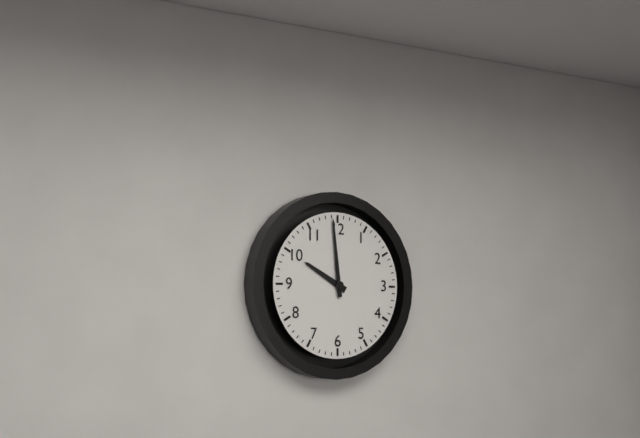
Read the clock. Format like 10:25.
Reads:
9:59
